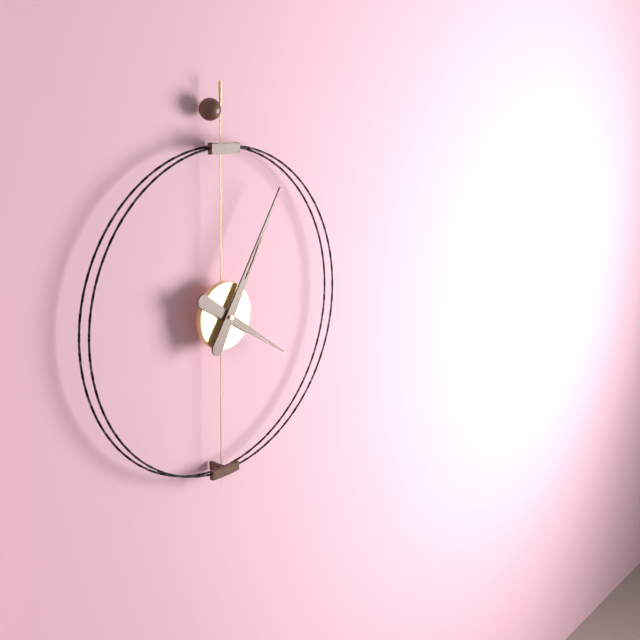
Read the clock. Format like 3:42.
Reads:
4:05
